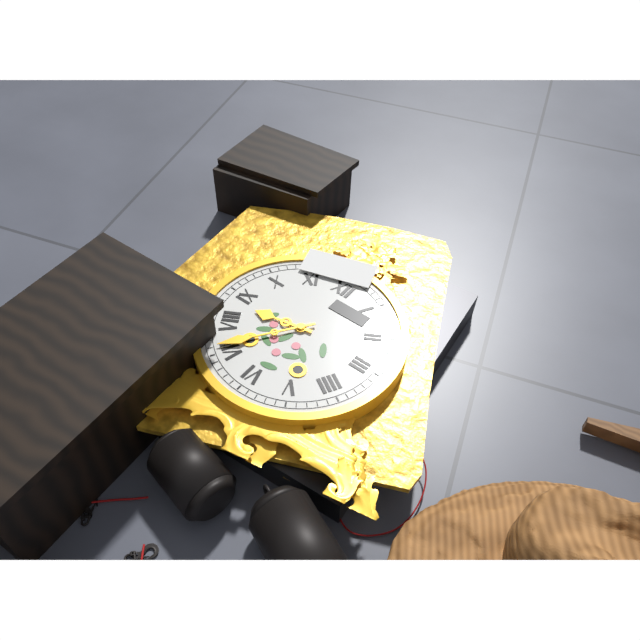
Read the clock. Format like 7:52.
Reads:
8:36
